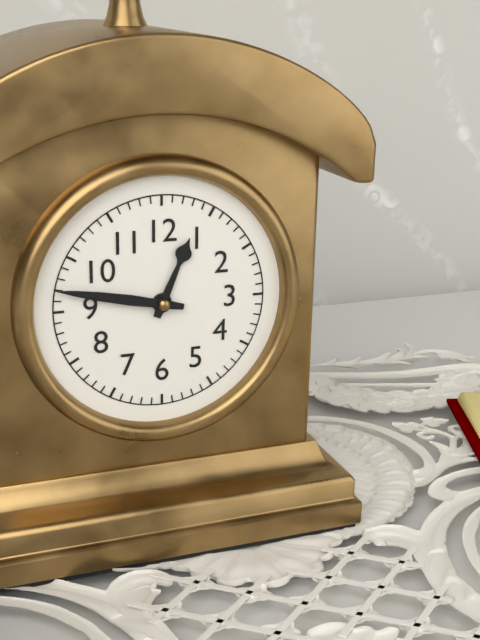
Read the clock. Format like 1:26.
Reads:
12:47
